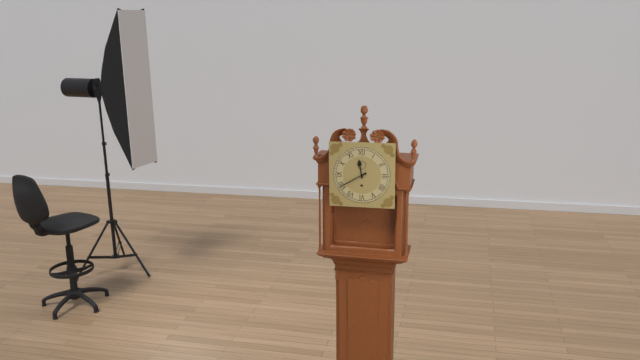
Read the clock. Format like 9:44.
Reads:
11:40
